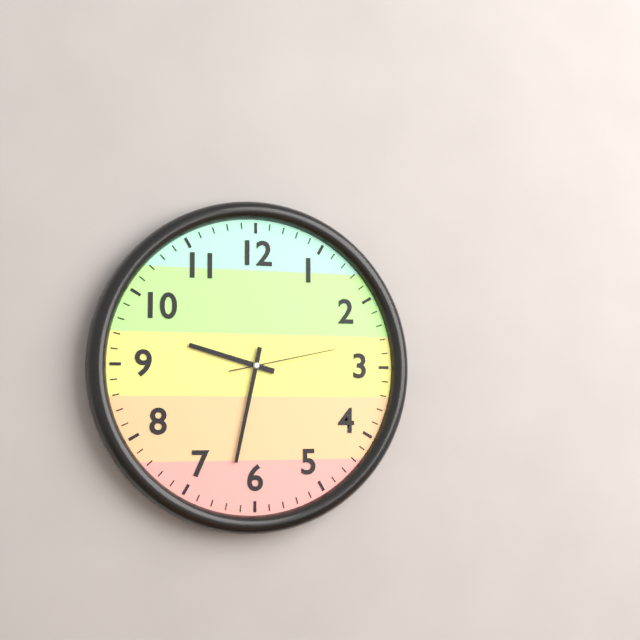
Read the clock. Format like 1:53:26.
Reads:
9:32:13
